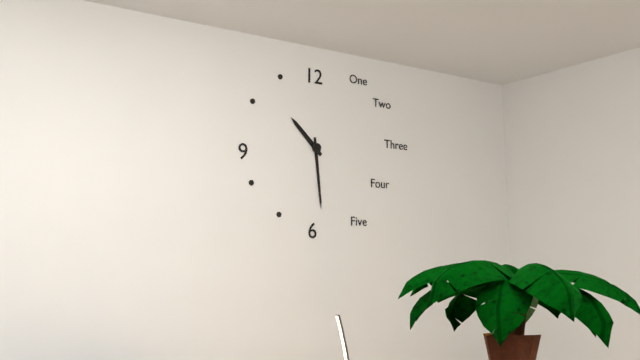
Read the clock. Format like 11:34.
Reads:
10:29
